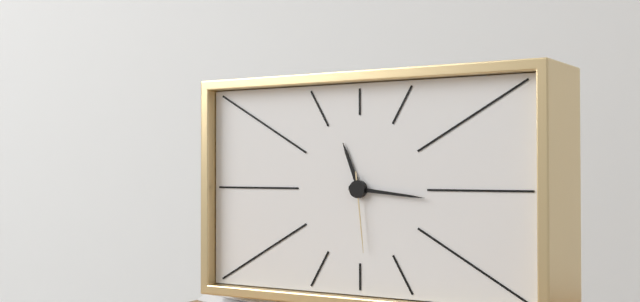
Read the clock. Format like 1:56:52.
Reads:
11:16:29
